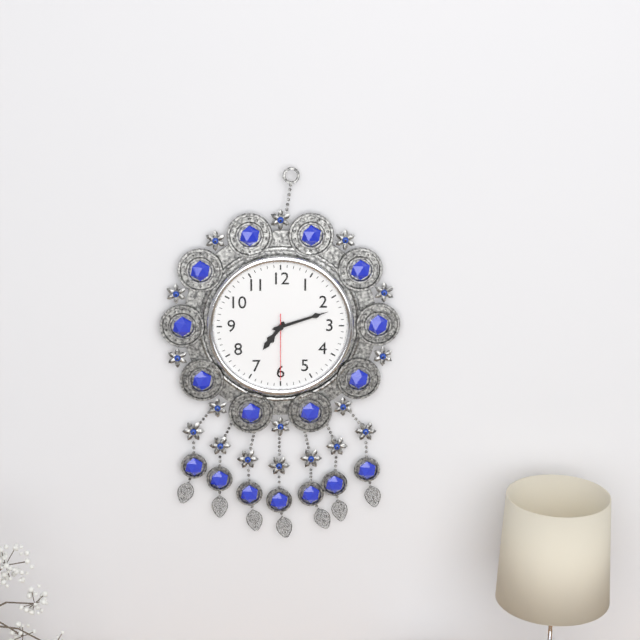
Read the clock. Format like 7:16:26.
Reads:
7:12:30
